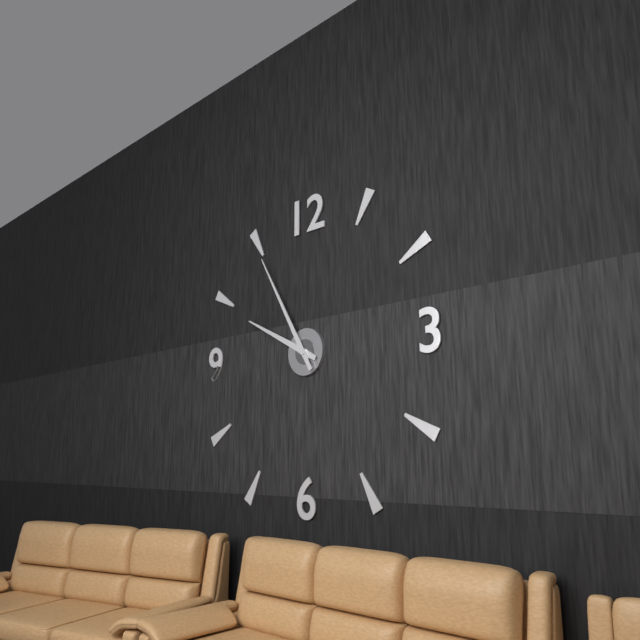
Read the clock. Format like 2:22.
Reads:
9:55
